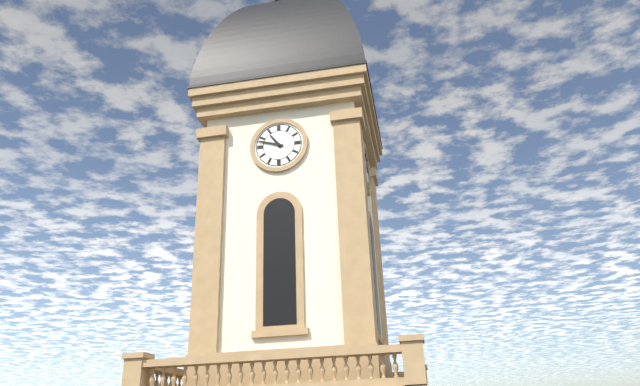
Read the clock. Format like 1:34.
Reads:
10:48
